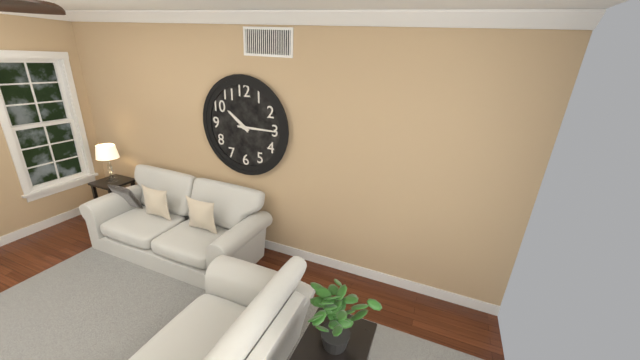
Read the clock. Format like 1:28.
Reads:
10:15
